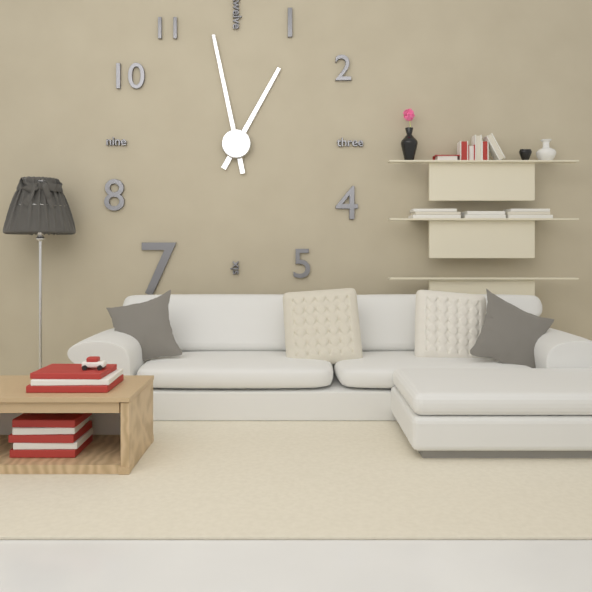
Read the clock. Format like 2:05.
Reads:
12:58
